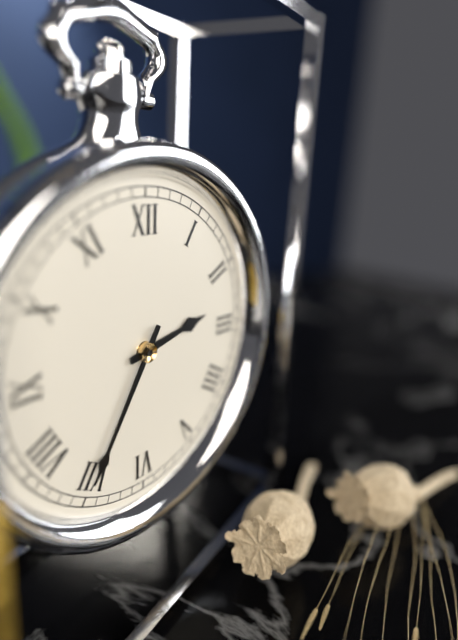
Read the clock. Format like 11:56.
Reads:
2:35
